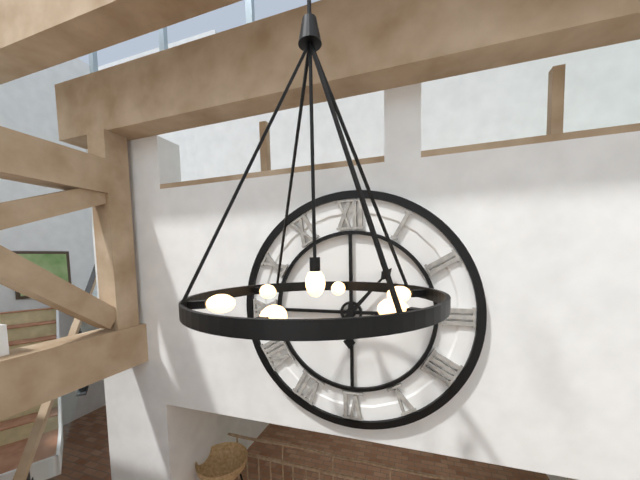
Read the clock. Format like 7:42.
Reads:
6:07
